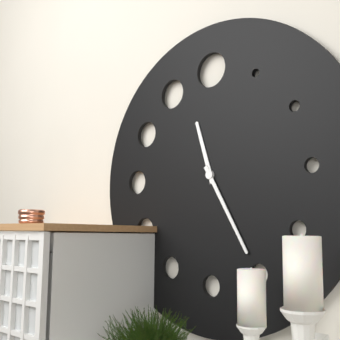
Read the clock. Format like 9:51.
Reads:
11:25
